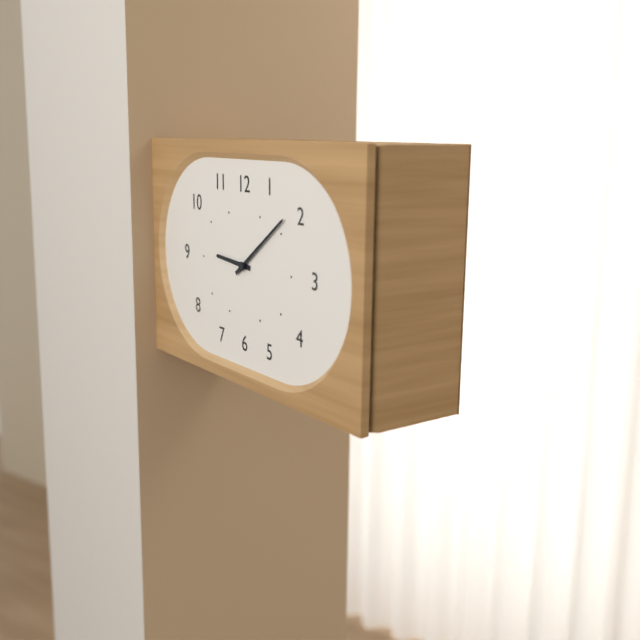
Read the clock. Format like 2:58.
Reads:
9:09
